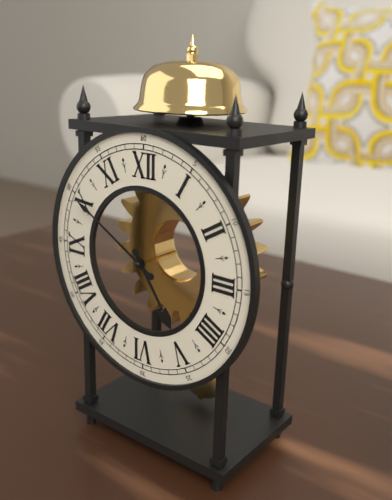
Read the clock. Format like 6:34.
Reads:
4:50
